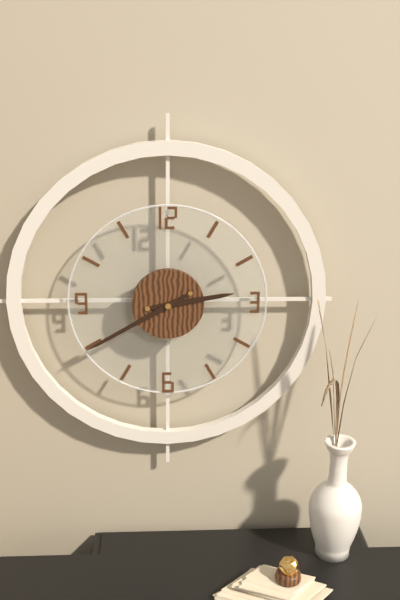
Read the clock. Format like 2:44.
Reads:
2:40
